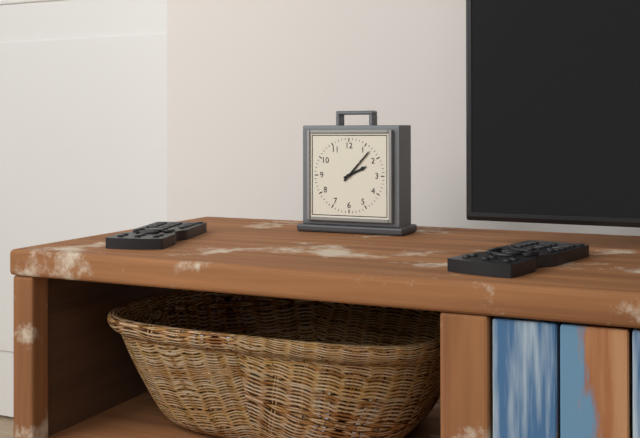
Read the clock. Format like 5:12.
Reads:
2:07
